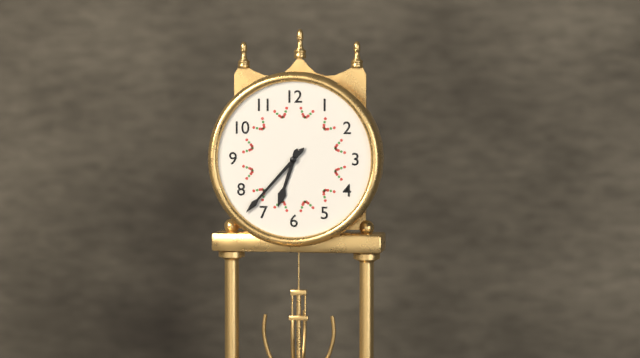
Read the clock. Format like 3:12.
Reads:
6:37
